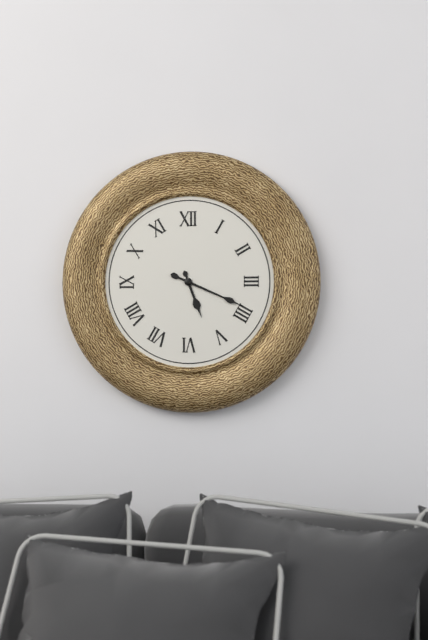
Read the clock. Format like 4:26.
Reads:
5:19
